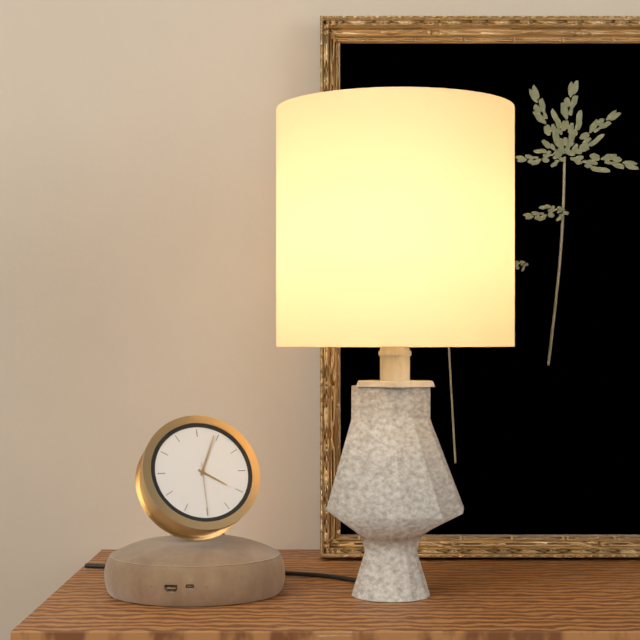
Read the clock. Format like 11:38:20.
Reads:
4:04:30
